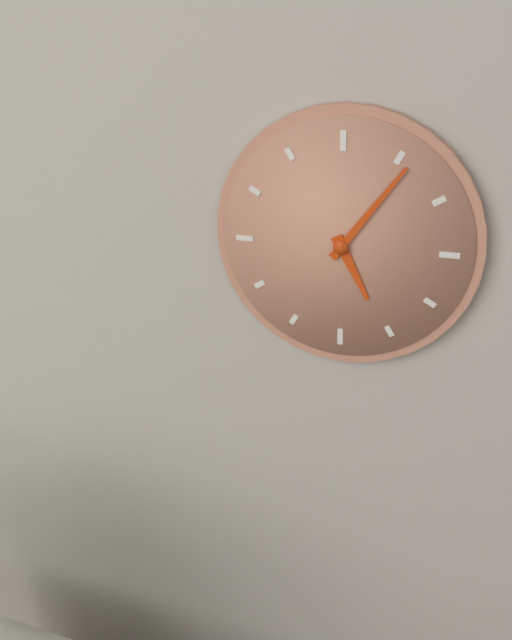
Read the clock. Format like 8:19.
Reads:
5:06
